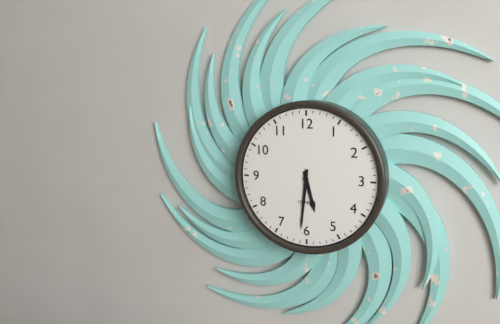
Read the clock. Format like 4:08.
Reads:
5:31
